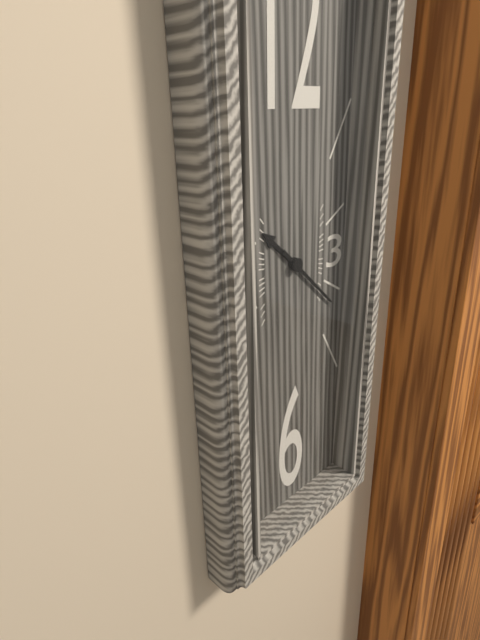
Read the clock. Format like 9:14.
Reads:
10:22
